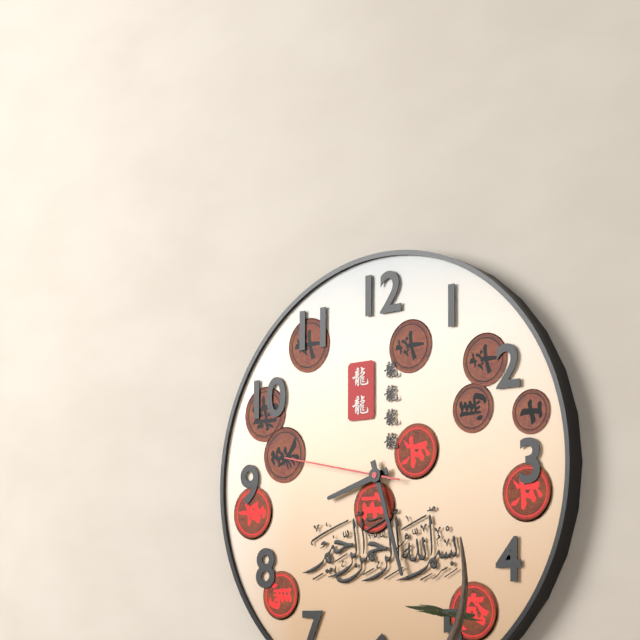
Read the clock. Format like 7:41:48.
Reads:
8:27:47
